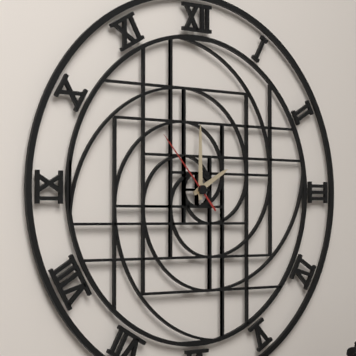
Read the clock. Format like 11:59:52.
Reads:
2:00:53
